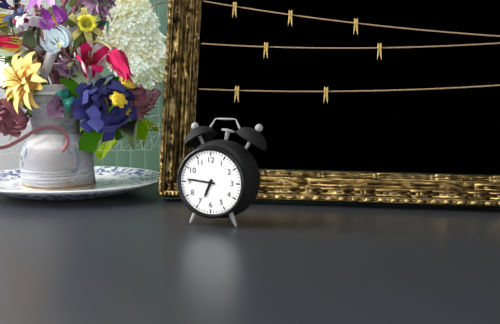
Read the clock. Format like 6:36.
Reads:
6:46
